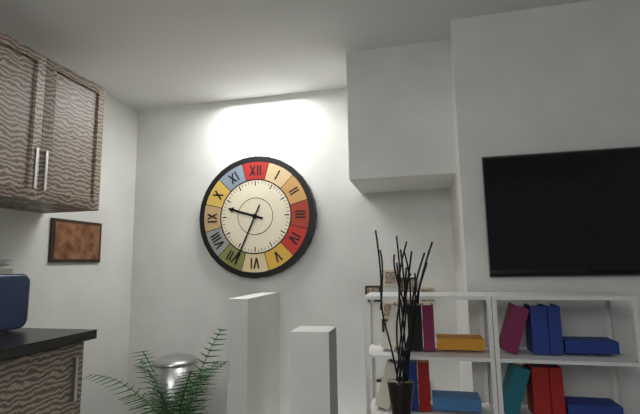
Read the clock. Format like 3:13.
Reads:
9:34
